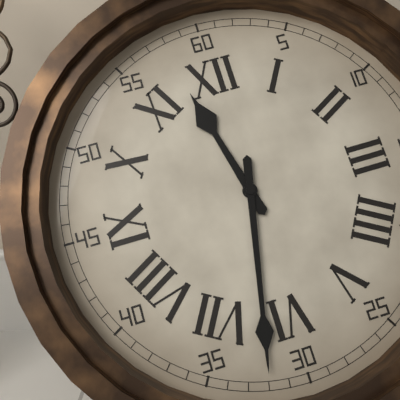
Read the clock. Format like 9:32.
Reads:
11:32
